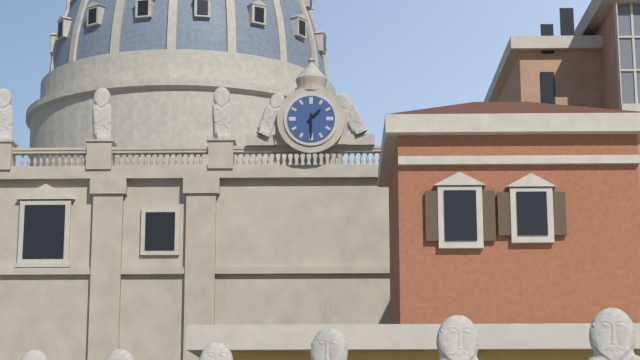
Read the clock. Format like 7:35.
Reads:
1:30
